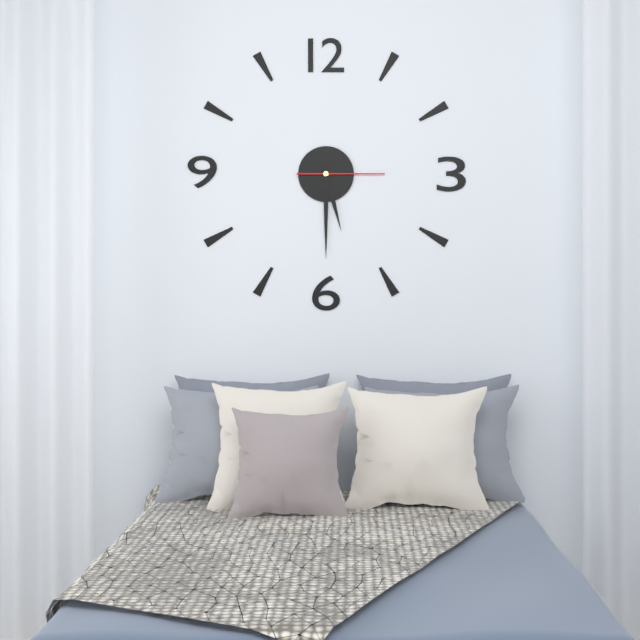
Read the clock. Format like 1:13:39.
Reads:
5:30:15
